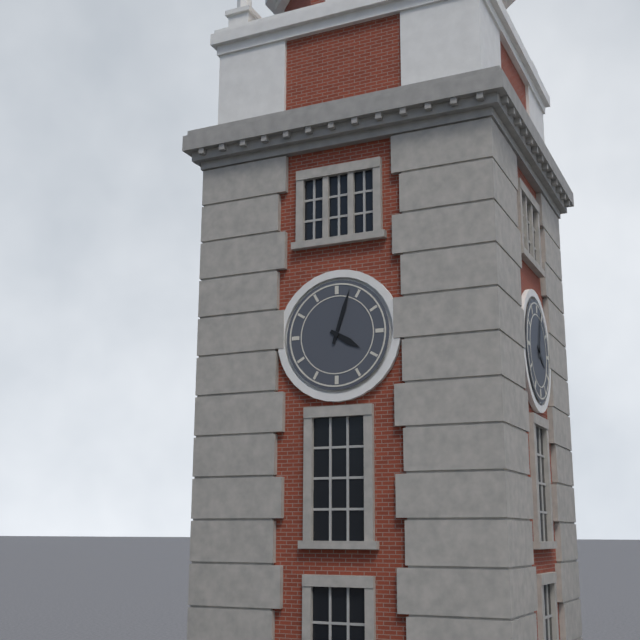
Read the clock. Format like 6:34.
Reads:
4:03
